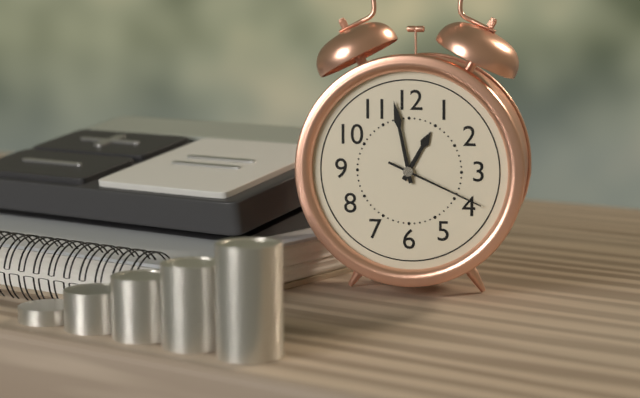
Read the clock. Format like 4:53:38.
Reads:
12:58:19
